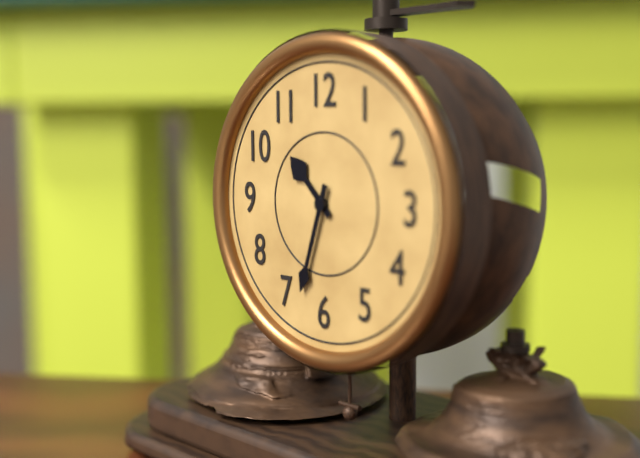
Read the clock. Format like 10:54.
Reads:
10:33
